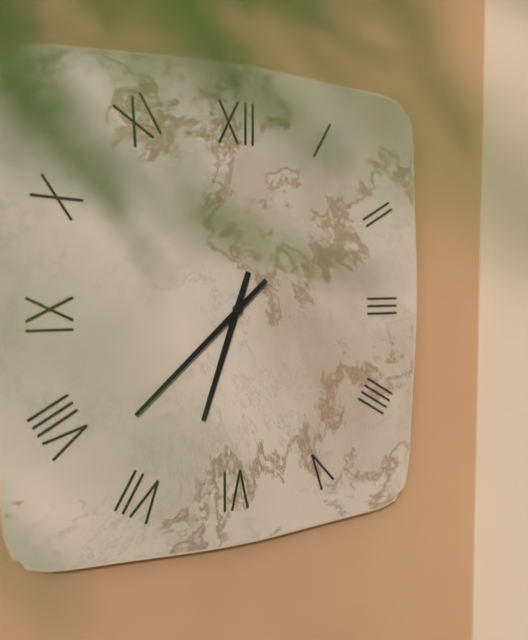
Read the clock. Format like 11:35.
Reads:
6:38
